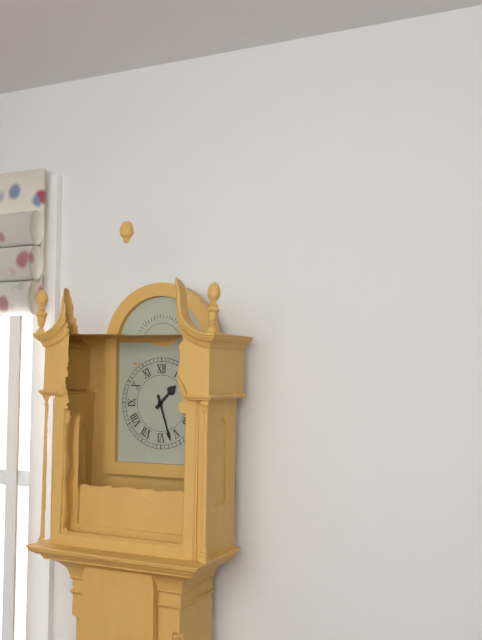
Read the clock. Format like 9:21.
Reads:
1:27
